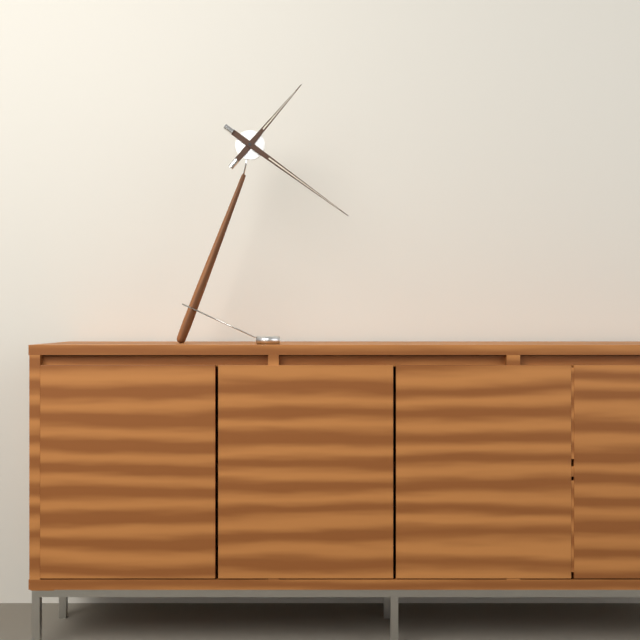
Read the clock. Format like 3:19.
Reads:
1:21
